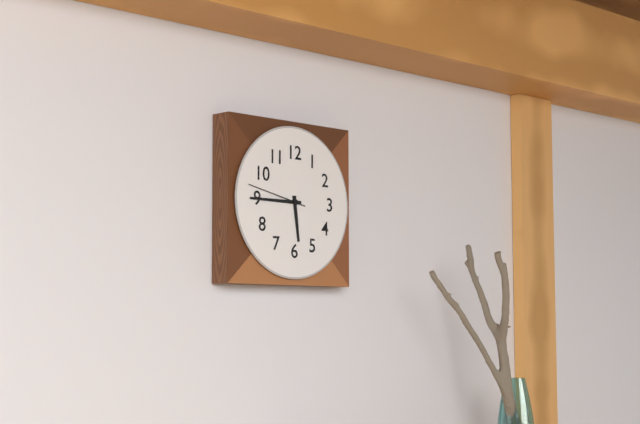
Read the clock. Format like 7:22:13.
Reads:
5:45:47
